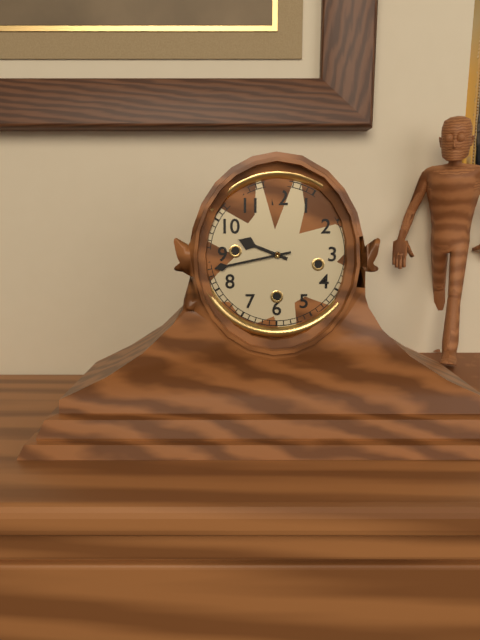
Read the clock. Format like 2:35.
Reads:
9:43
